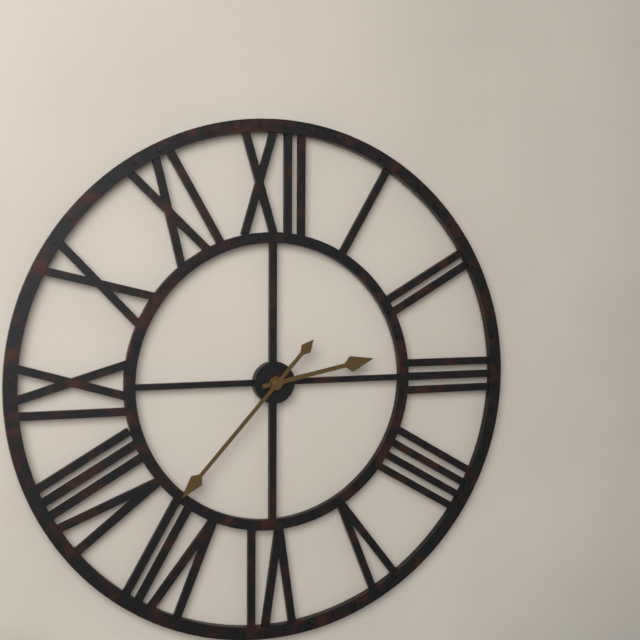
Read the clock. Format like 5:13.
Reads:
2:37
